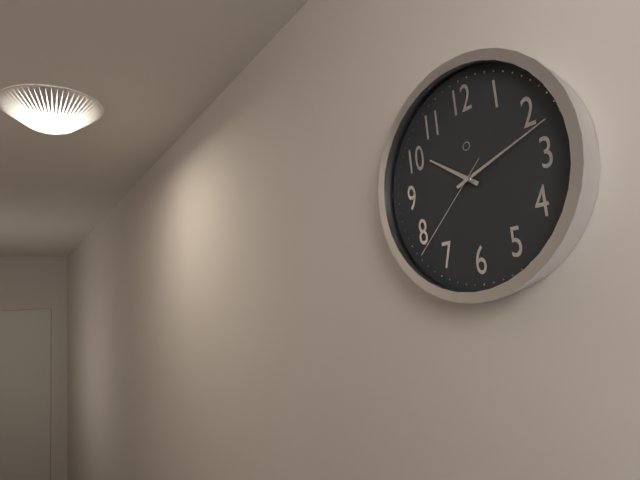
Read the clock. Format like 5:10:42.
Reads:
10:12:38
